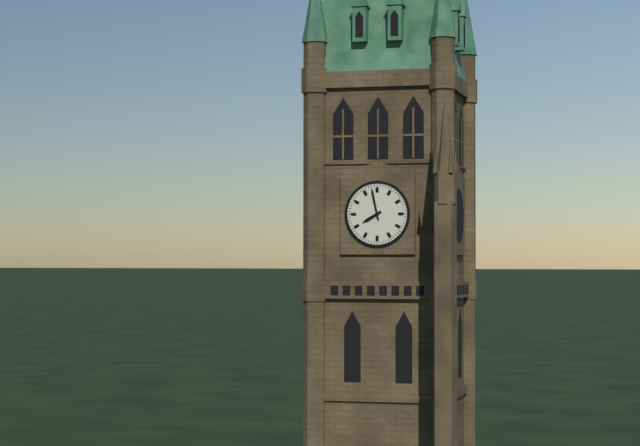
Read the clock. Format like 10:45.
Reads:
7:58
